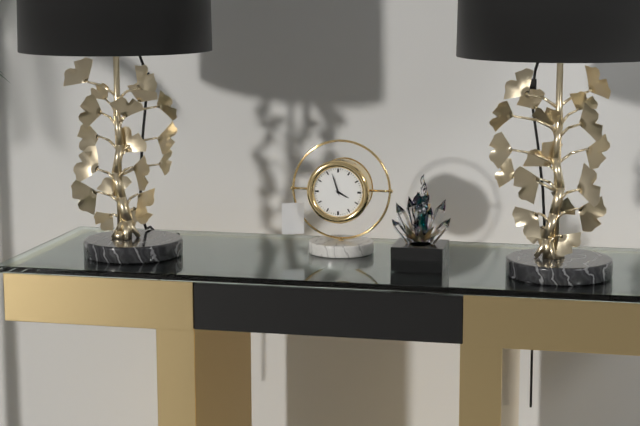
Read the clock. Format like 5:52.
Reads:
3:57
